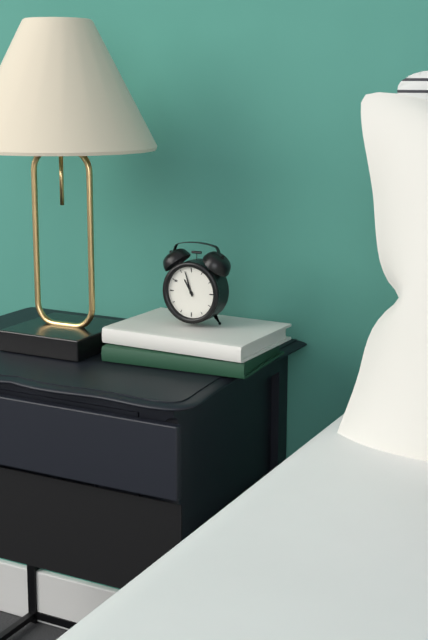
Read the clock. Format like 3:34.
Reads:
10:57
